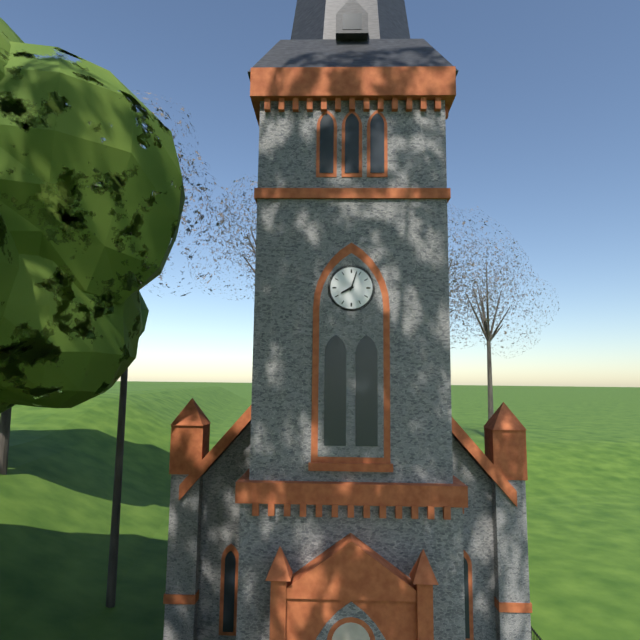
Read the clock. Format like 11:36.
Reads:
8:03
